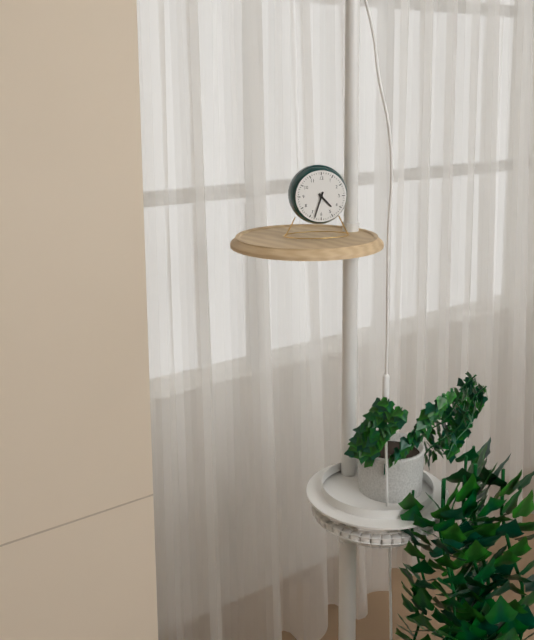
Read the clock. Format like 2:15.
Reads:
4:33
